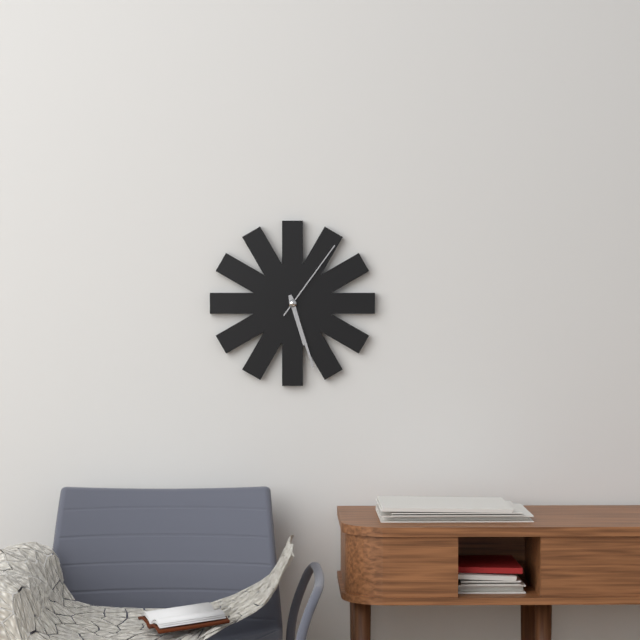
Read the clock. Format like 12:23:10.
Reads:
5:27:06
